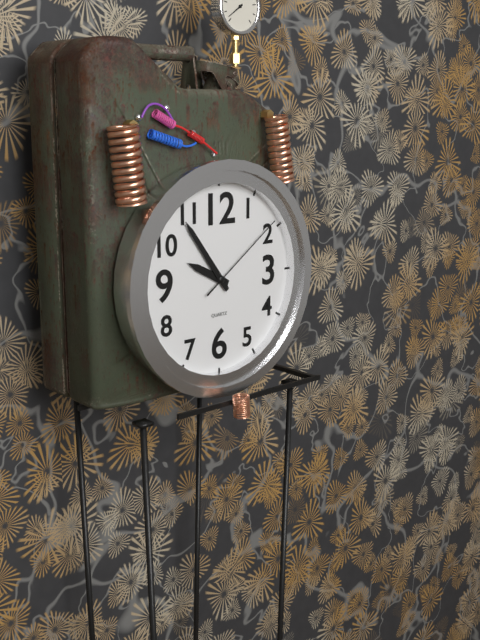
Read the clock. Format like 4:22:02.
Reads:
9:54:09
